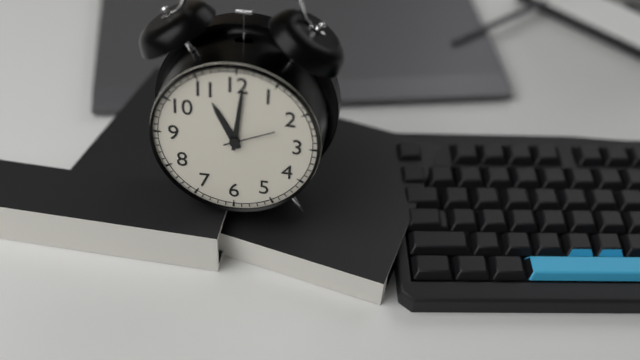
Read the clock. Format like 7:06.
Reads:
11:01
